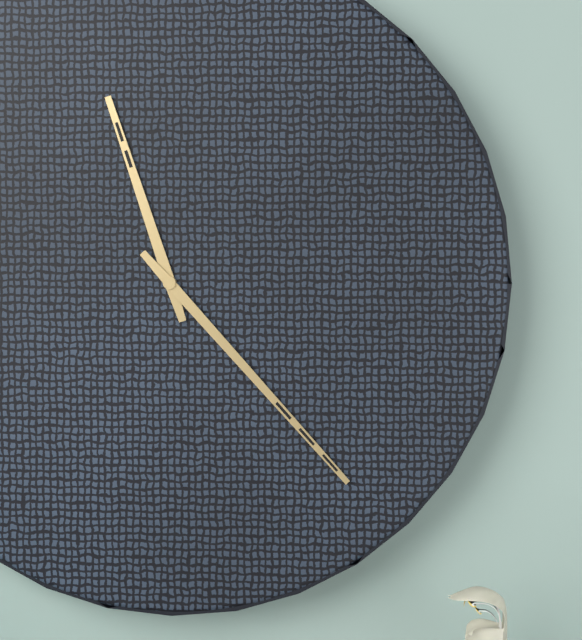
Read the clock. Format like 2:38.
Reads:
11:23
